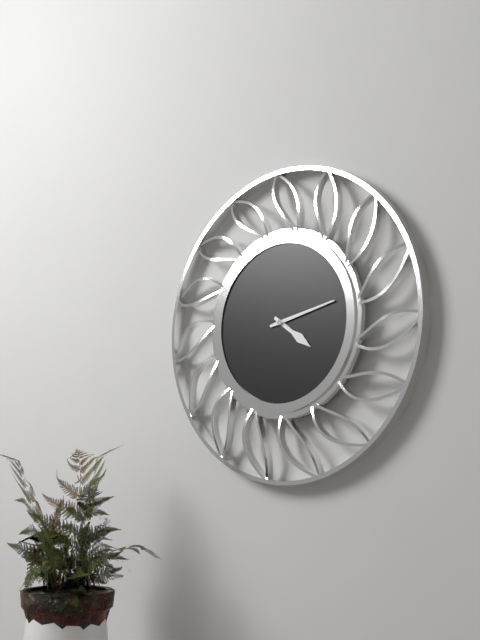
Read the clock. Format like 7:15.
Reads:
4:13
